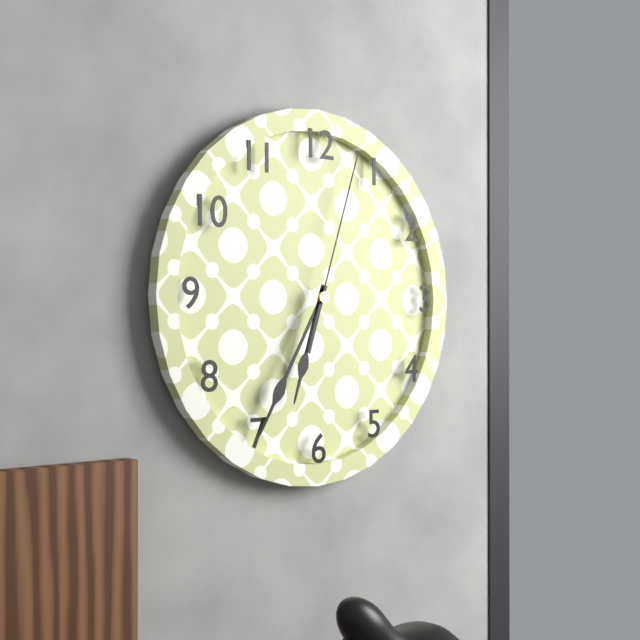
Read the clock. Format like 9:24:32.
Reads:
6:35:03
